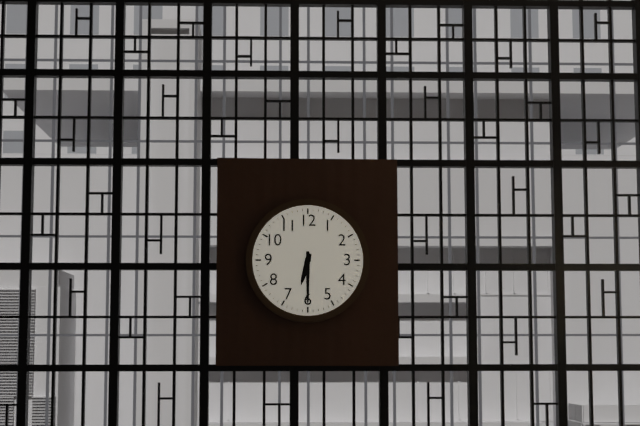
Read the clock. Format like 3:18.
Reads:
6:30
